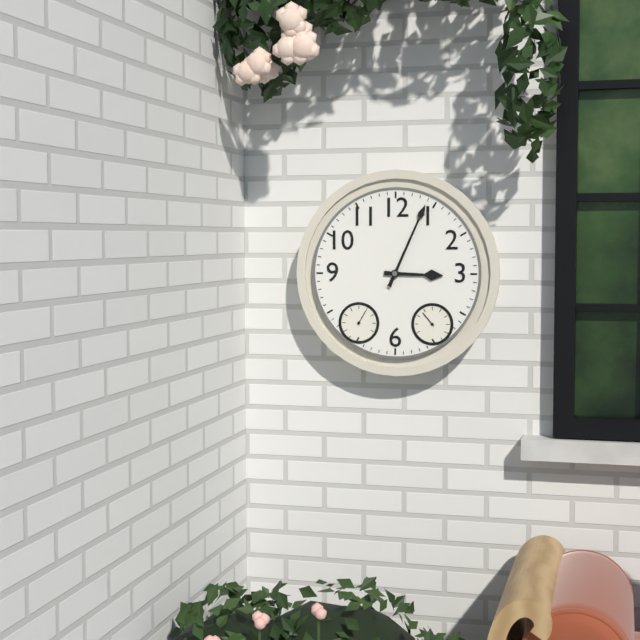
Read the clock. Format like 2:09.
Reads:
3:04
